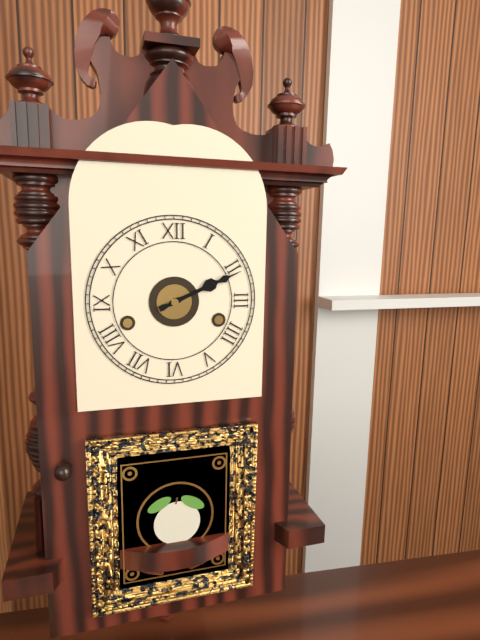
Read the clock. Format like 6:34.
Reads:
2:11
